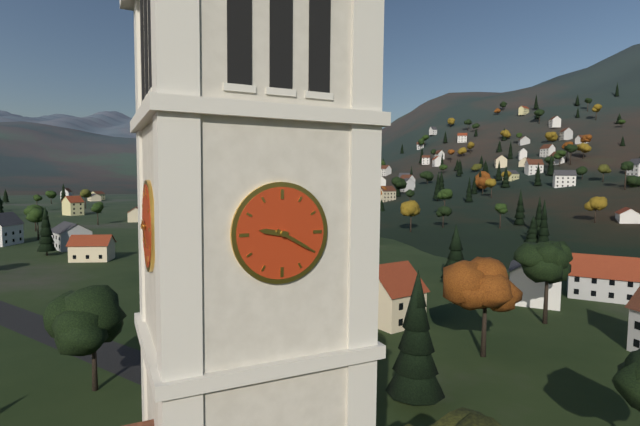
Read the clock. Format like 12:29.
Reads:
9:20
